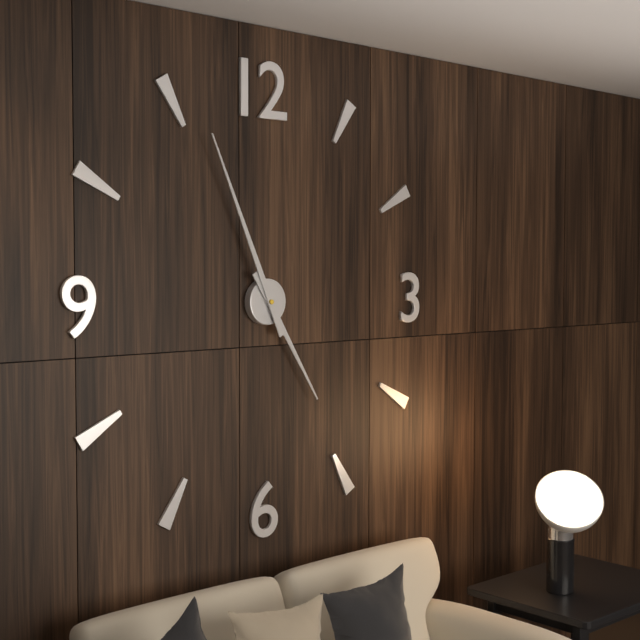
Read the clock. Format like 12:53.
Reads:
4:56
